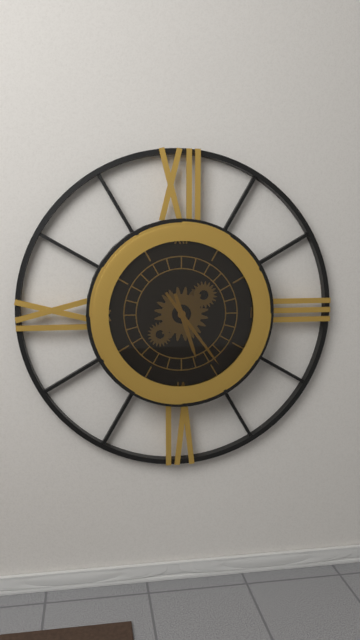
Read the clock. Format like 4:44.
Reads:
5:24
